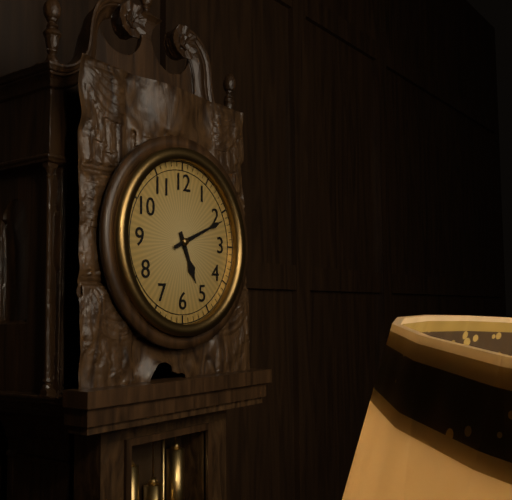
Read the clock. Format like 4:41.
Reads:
5:11
